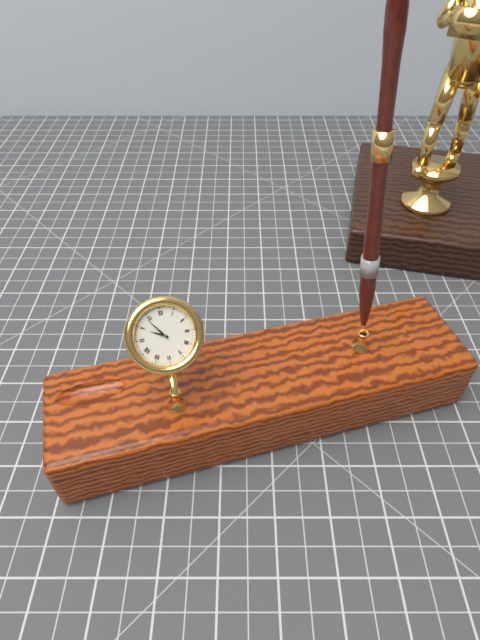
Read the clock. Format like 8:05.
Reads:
9:54
